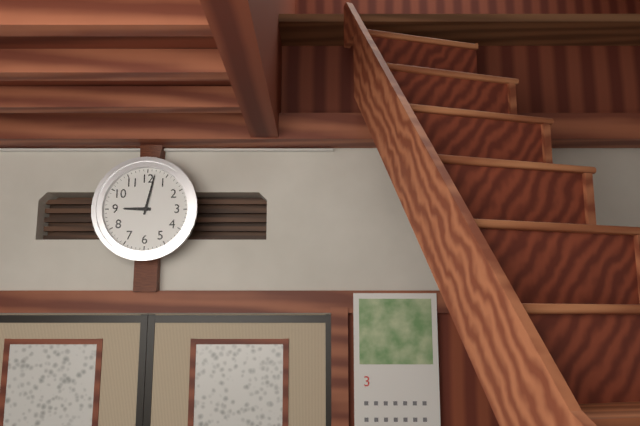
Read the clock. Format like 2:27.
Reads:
9:02
